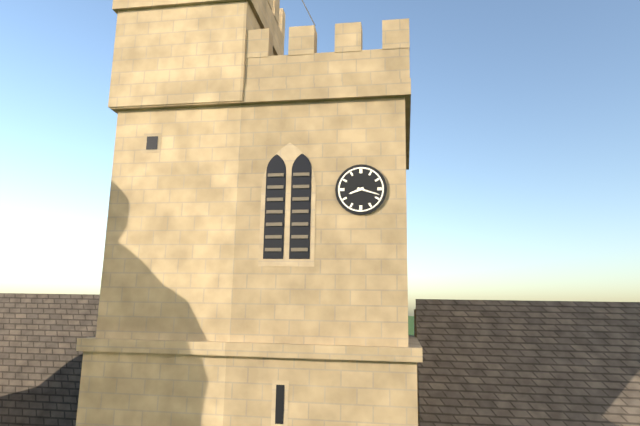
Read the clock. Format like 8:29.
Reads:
8:18
